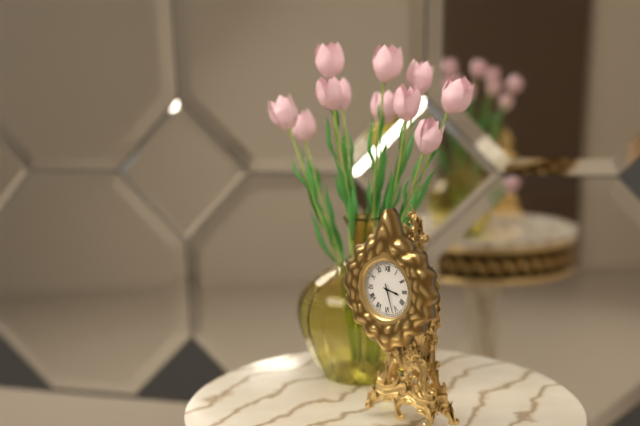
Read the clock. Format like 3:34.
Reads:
3:27
